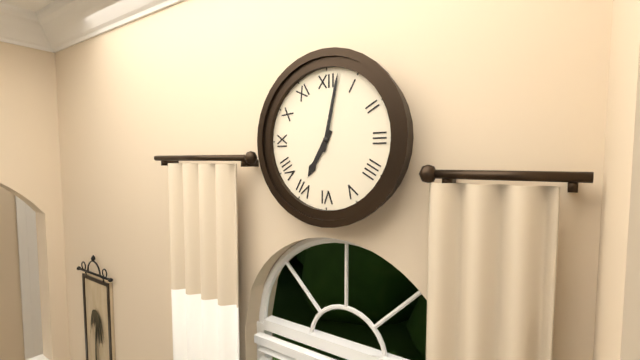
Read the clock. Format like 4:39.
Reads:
7:02
